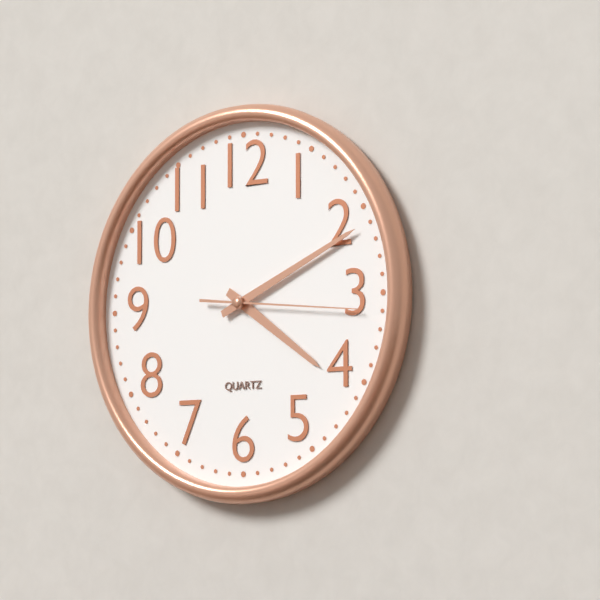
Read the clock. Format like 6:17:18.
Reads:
4:11:16
